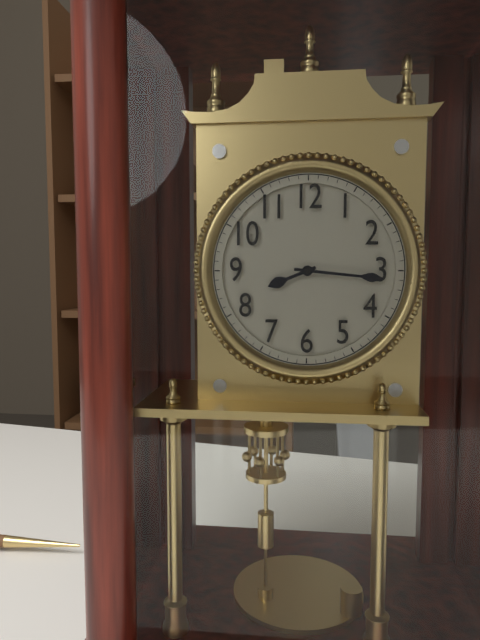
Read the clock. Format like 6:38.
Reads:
8:16
